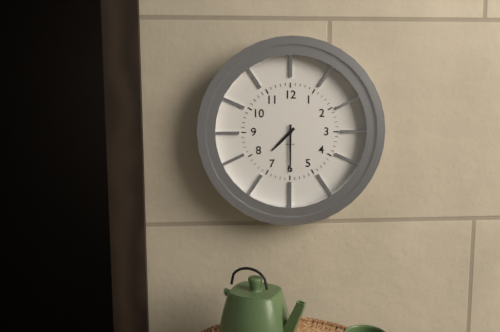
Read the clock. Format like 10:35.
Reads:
7:30
